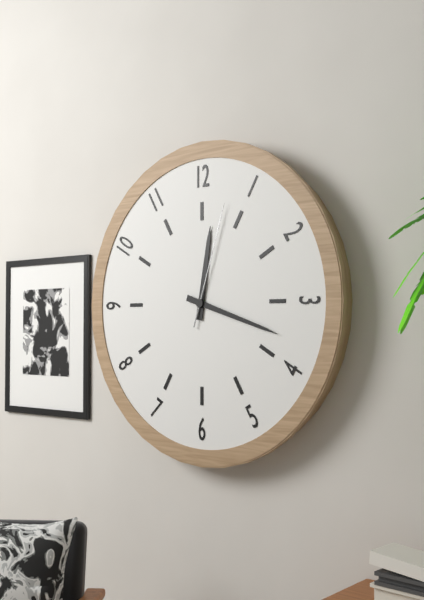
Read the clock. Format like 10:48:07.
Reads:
12:18:03
